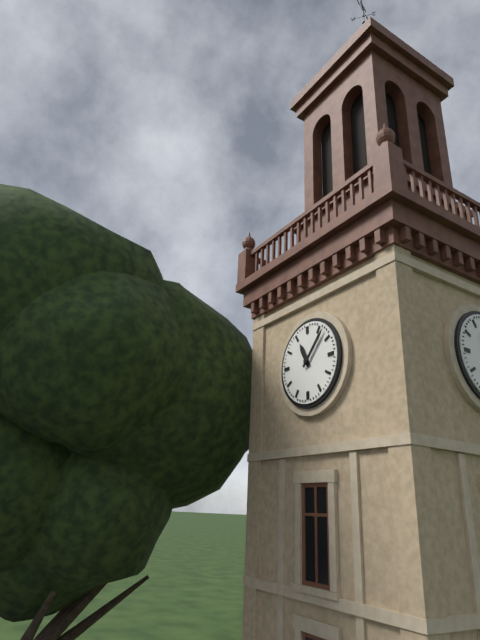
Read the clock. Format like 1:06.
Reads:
11:07
